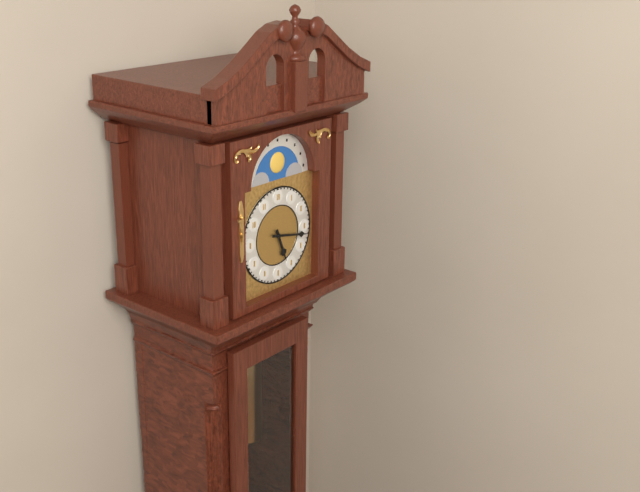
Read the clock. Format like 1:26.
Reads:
5:17
